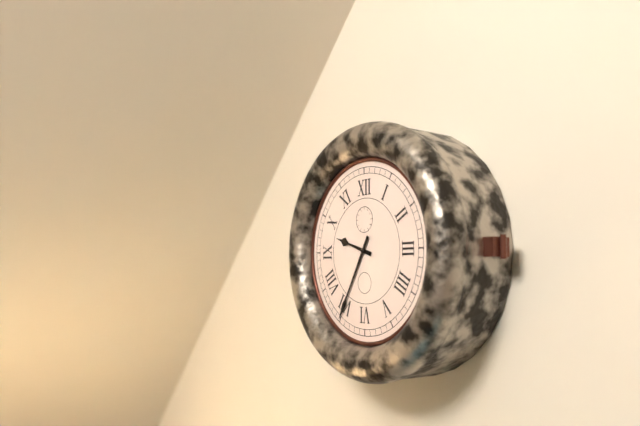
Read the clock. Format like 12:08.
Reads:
9:35
